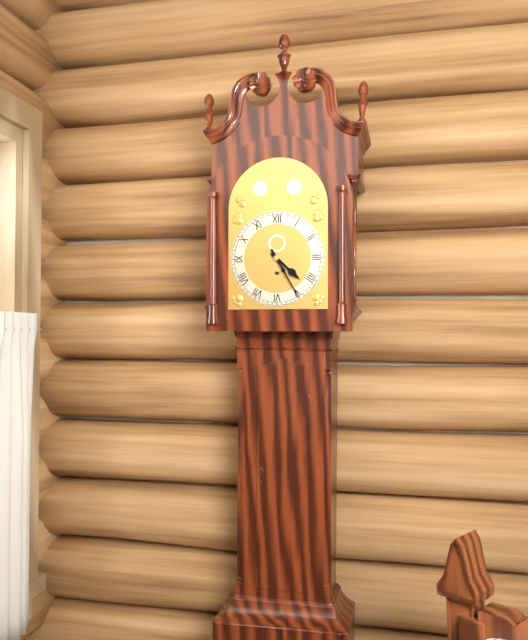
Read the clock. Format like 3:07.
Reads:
4:25
